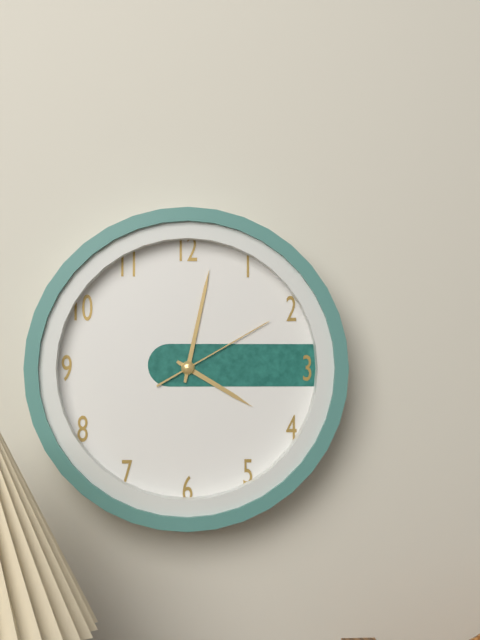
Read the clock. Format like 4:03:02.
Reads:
4:02:10
